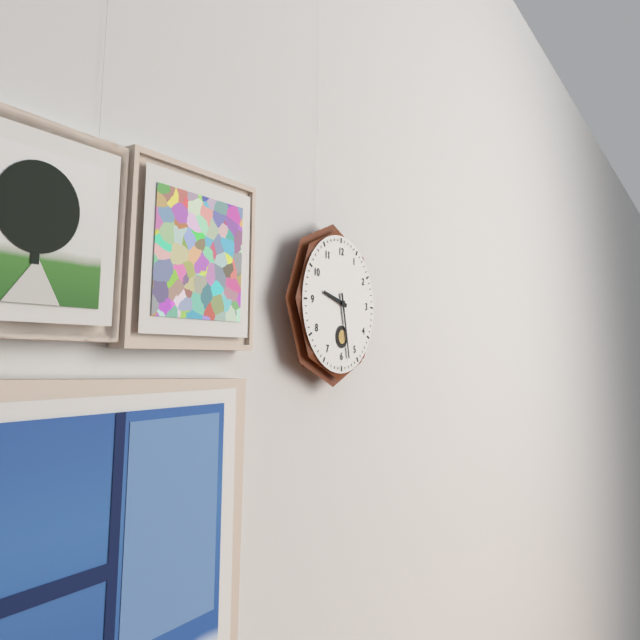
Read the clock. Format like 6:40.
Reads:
9:28
